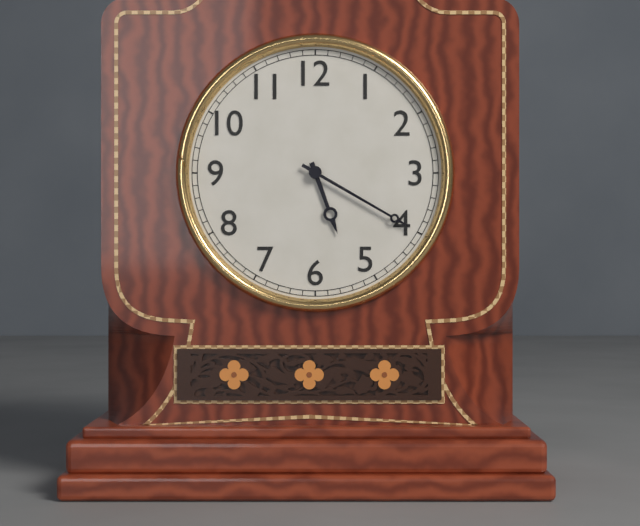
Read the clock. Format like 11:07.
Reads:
5:20
